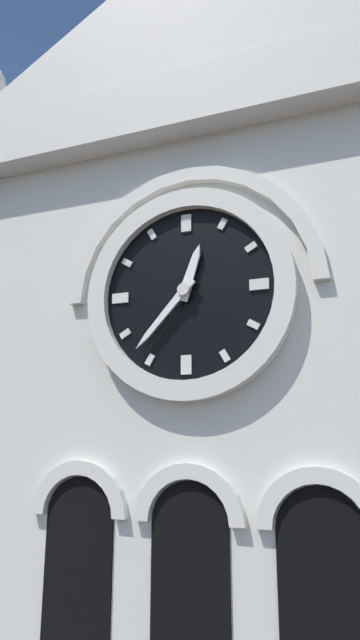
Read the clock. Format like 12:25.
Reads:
12:37
